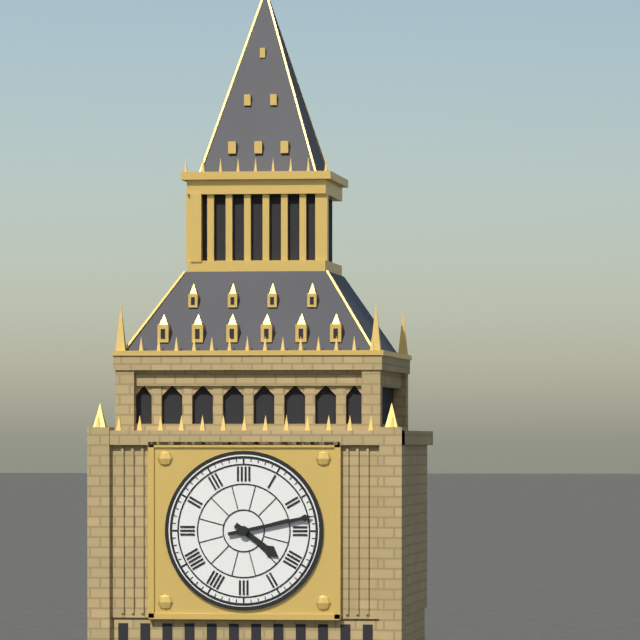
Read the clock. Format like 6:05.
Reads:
4:13
